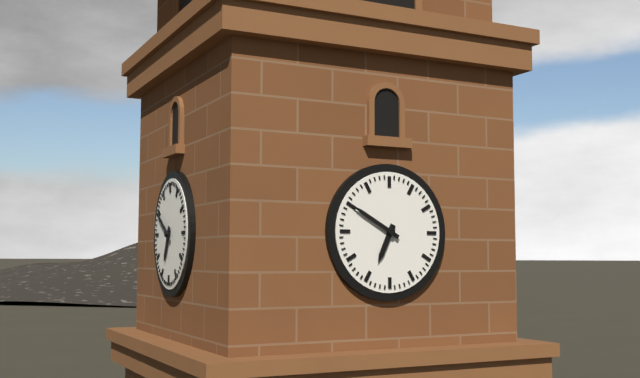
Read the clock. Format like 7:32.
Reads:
6:50
